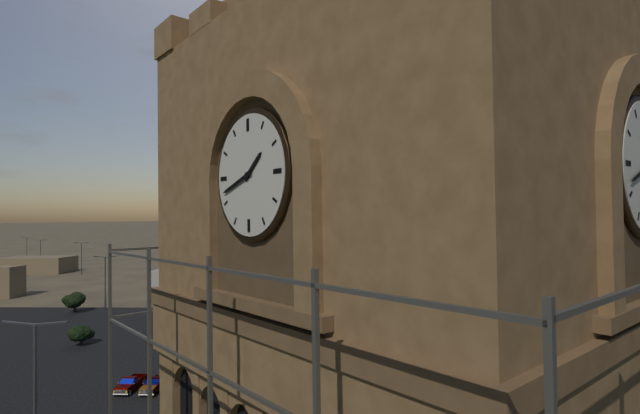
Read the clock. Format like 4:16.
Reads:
1:42
